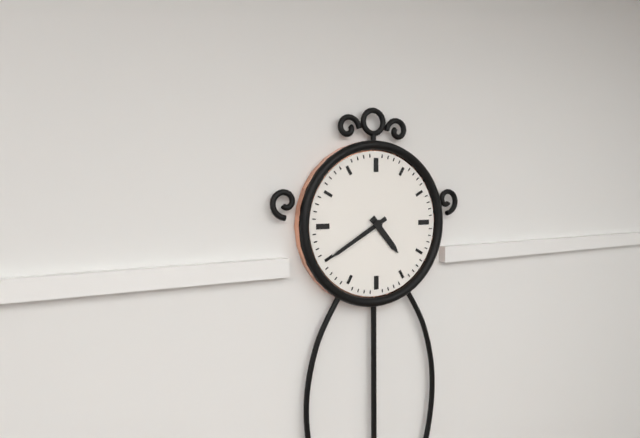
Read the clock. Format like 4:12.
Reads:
4:40
